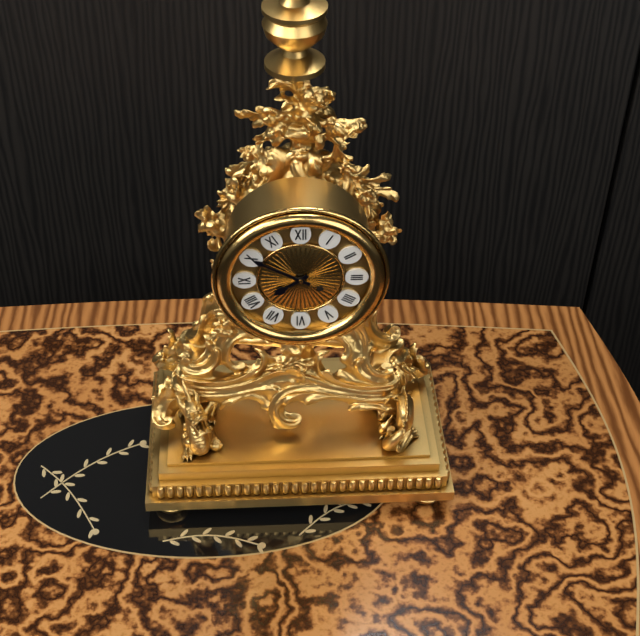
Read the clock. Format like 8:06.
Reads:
7:50
